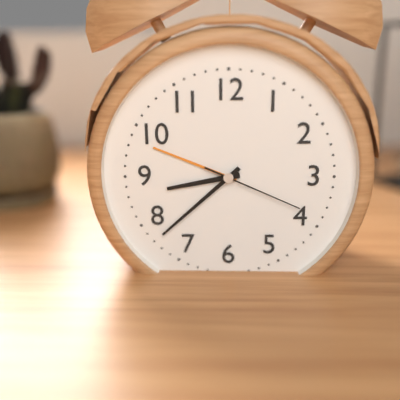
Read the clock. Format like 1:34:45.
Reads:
8:38:19
